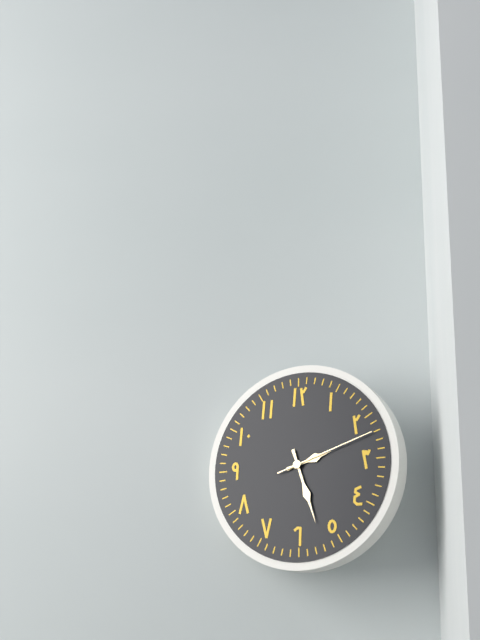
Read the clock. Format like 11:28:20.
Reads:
2:27:12
